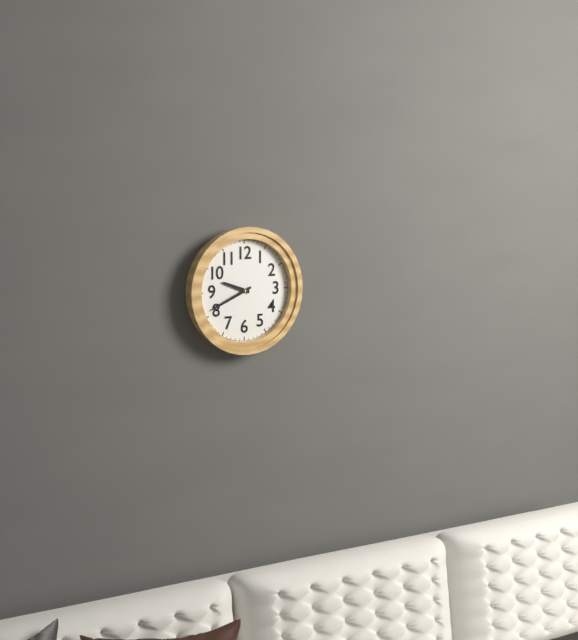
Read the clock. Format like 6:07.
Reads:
9:41
